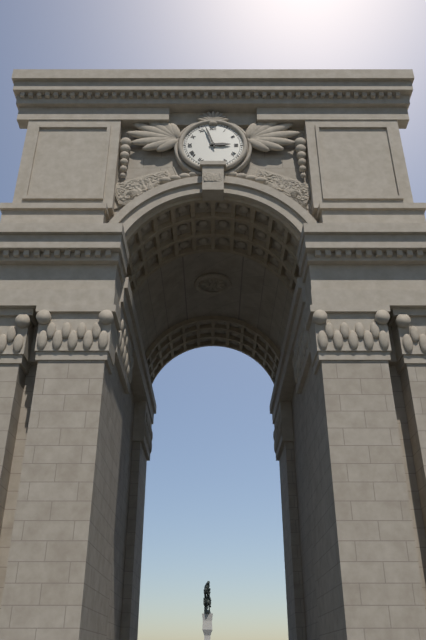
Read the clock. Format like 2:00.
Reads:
2:57
